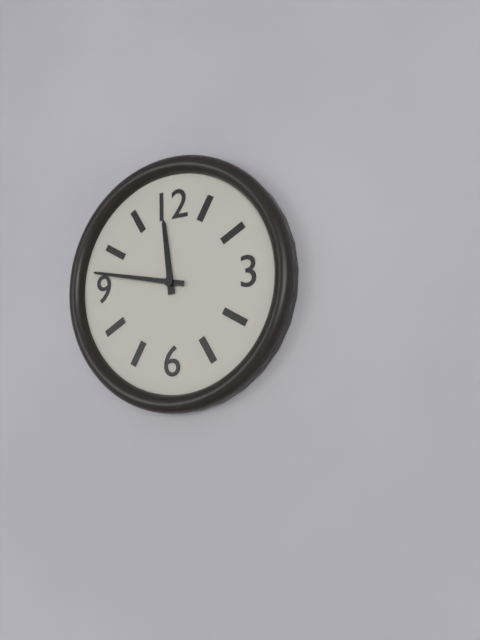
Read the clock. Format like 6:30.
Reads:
11:47
